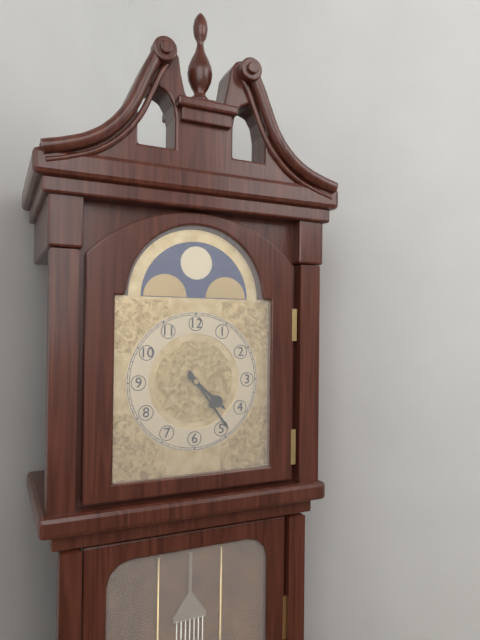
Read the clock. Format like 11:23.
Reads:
4:24
